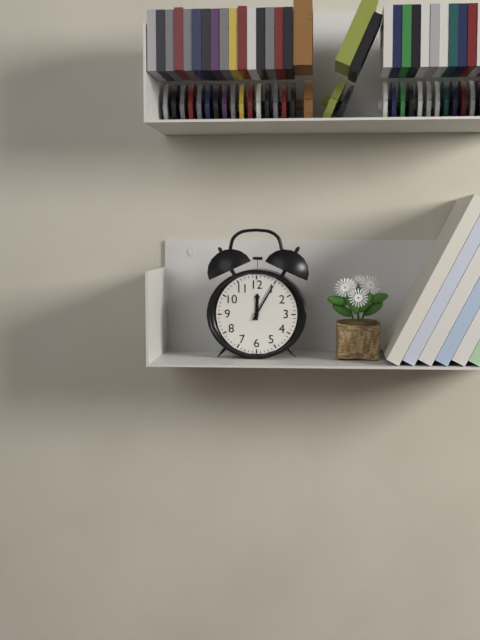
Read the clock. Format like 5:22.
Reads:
12:05
